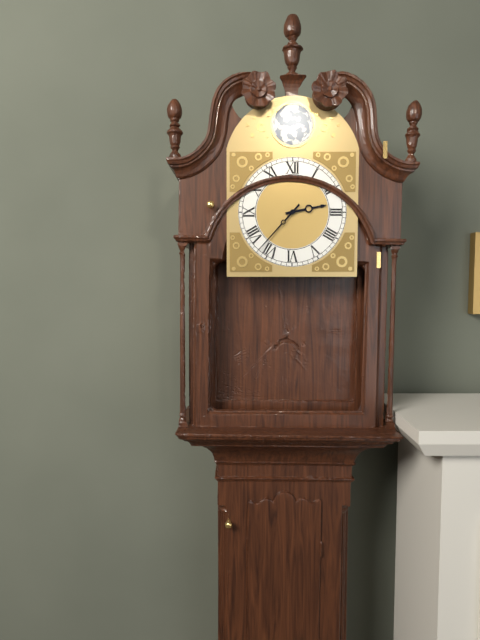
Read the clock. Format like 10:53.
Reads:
2:37
